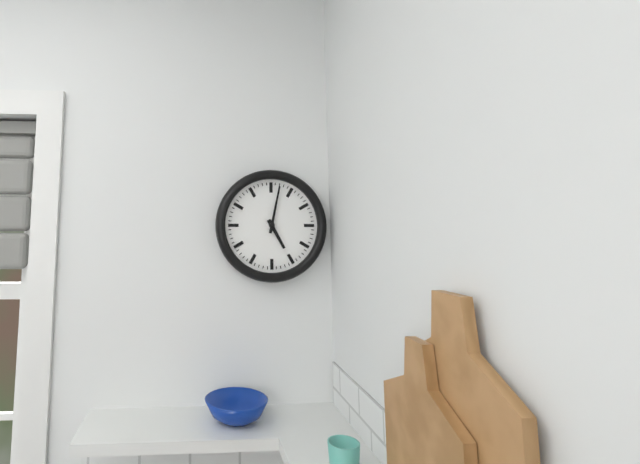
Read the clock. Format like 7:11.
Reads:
5:02
